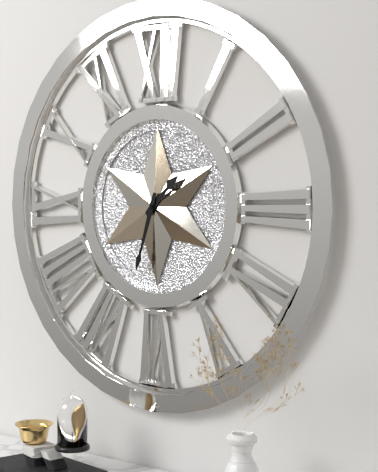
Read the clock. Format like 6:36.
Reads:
1:33
